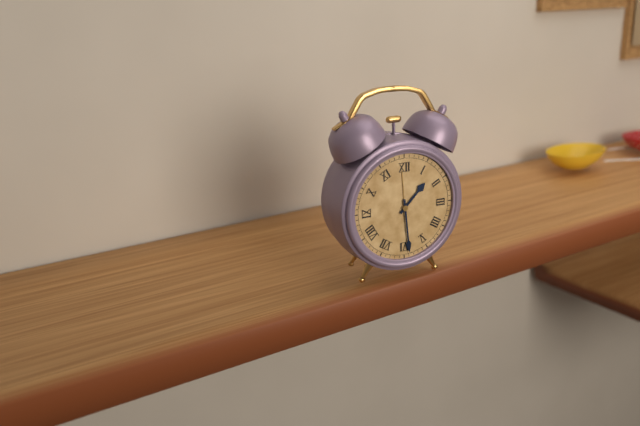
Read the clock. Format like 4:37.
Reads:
1:29
